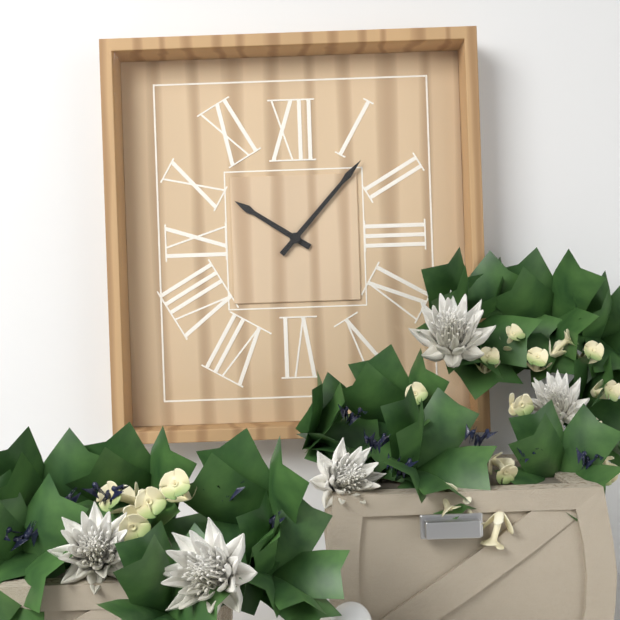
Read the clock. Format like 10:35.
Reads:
10:07
